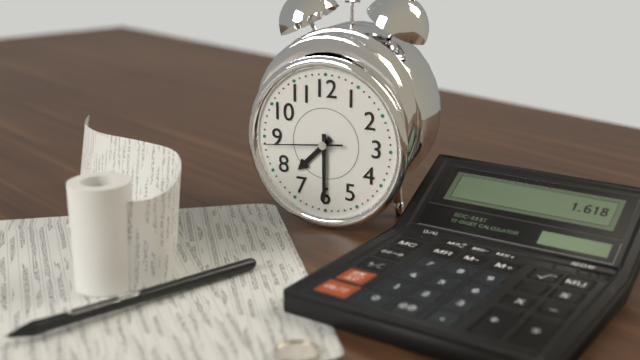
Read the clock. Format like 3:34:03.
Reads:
7:30:44
